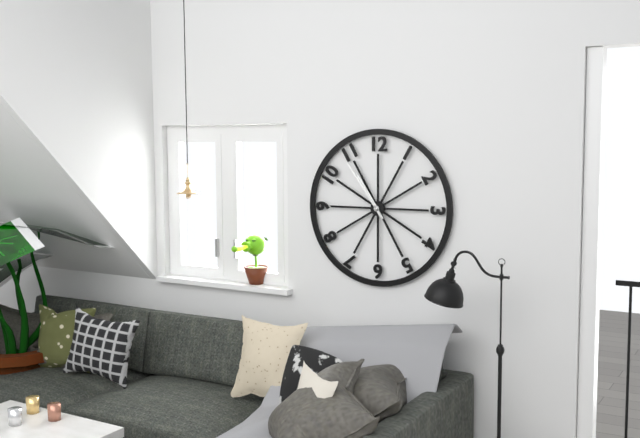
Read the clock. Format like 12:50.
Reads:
10:54
